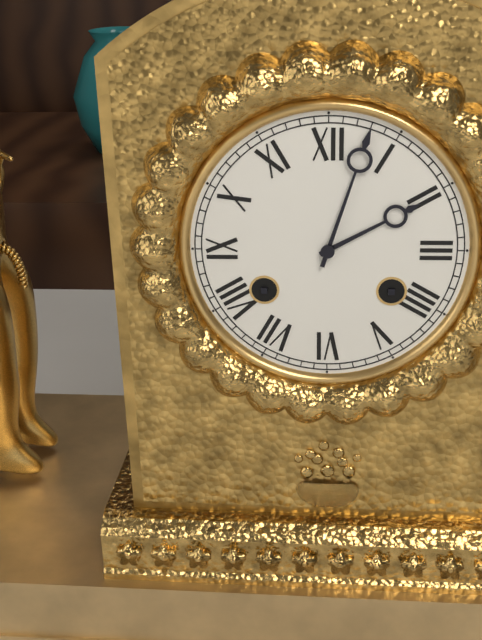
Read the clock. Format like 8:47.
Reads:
2:03
